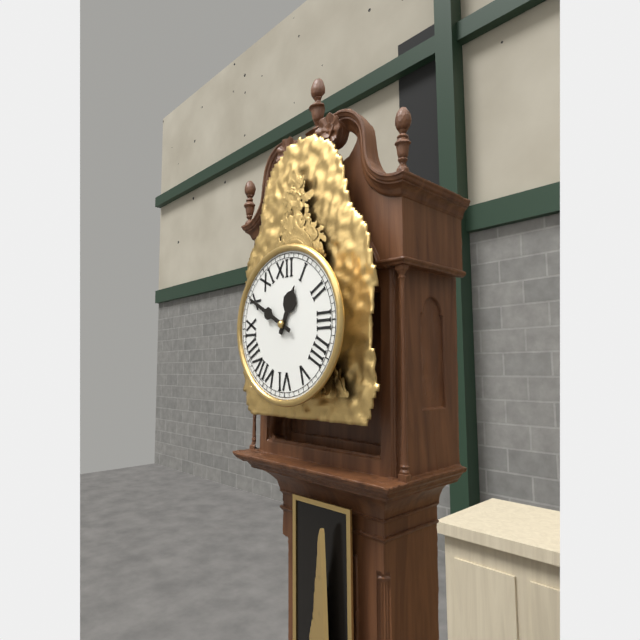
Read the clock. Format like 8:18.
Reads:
12:50
